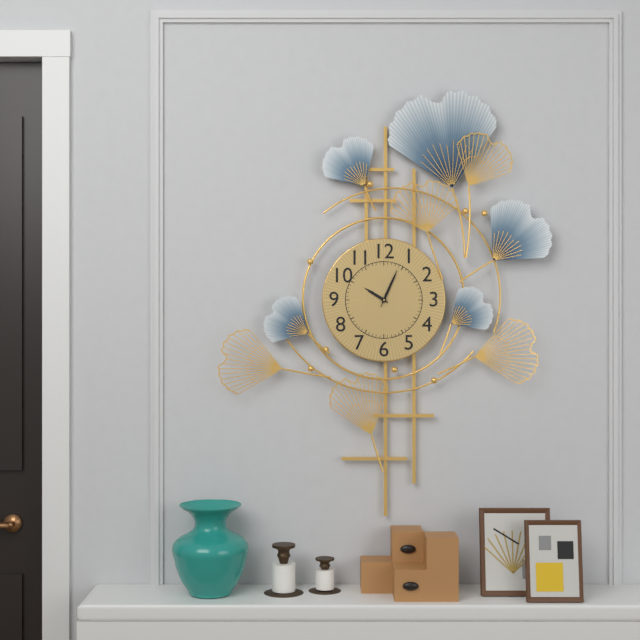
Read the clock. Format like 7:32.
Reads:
10:04
